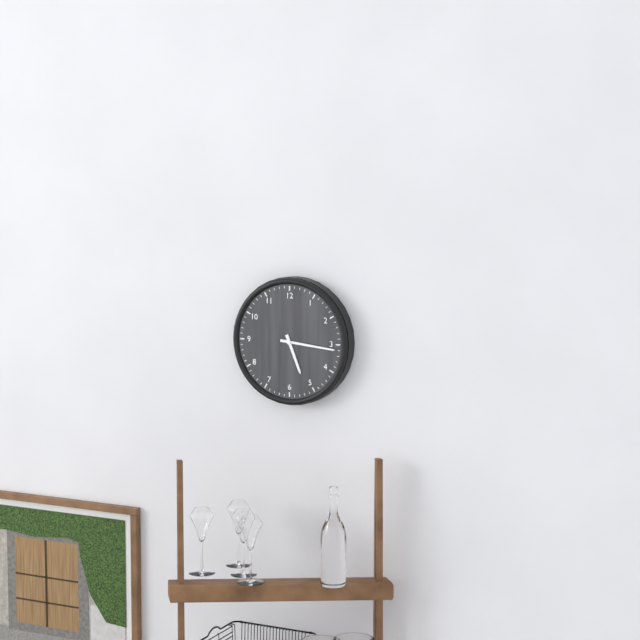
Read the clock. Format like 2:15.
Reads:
5:16
